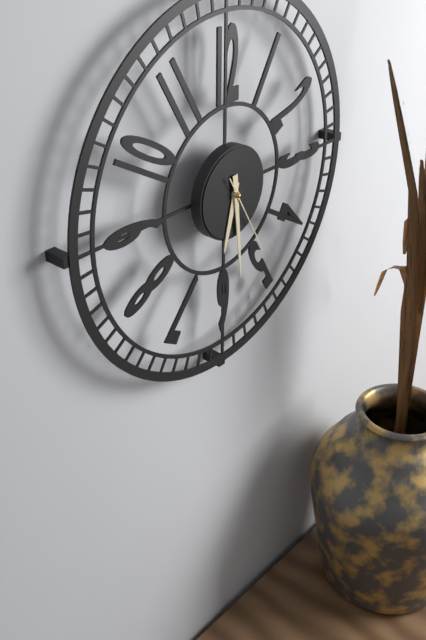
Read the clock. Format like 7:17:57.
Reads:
6:29:25
